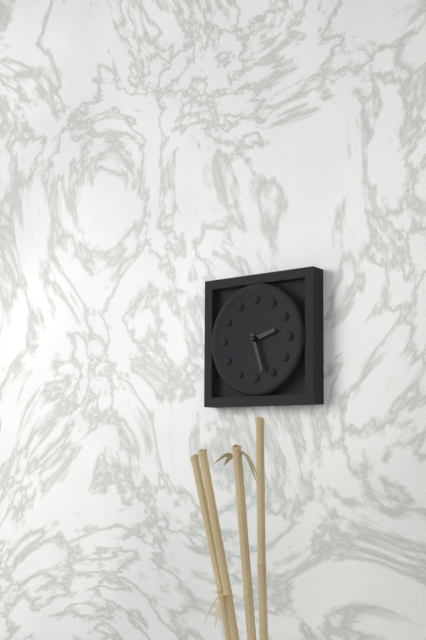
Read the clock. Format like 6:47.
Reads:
2:27
